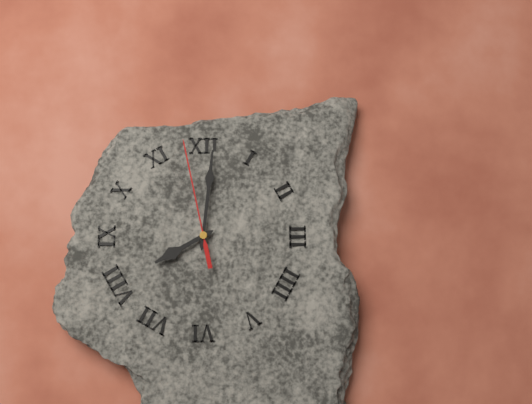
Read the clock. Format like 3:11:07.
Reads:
8:01:58
